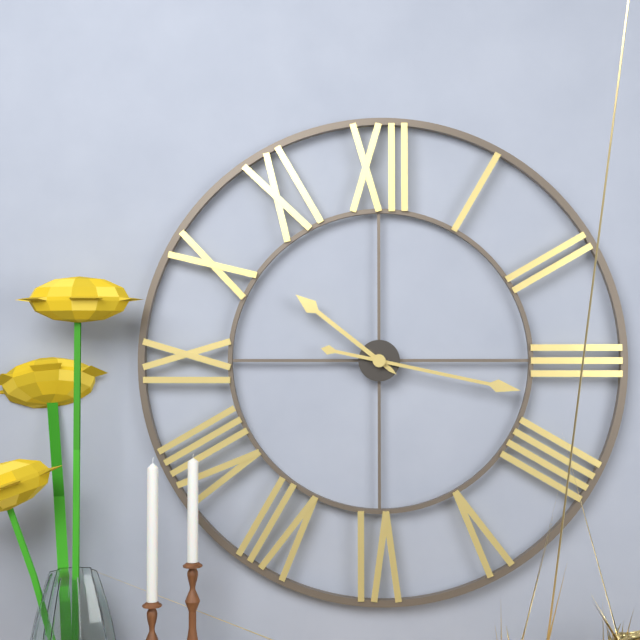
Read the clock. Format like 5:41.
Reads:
10:17
